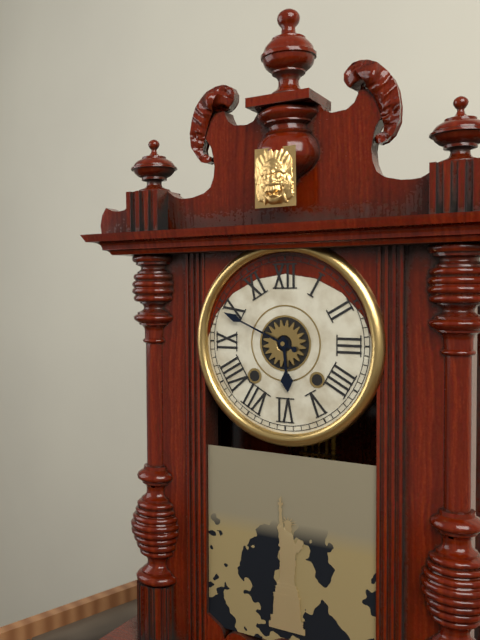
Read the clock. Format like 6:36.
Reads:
5:49
